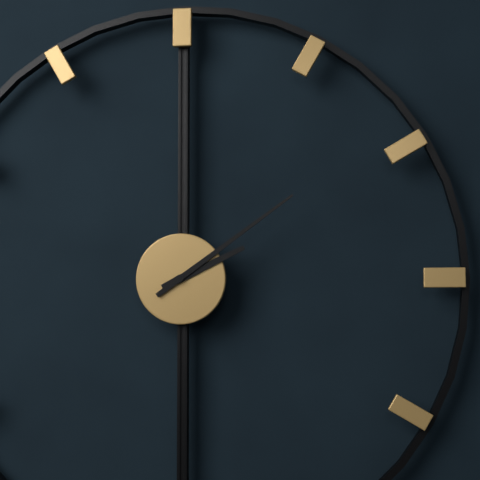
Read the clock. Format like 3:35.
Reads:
2:09
